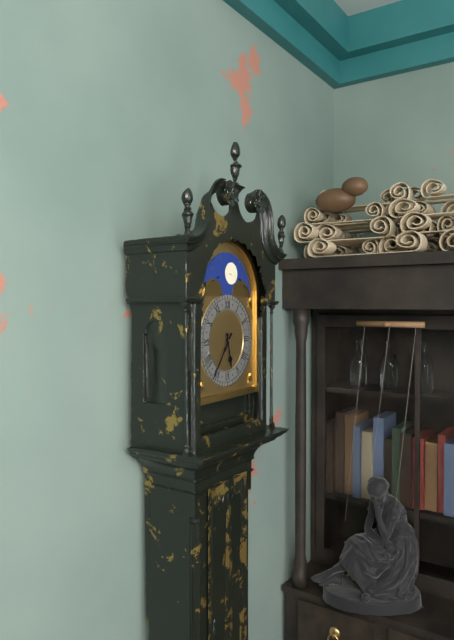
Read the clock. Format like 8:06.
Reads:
5:36
